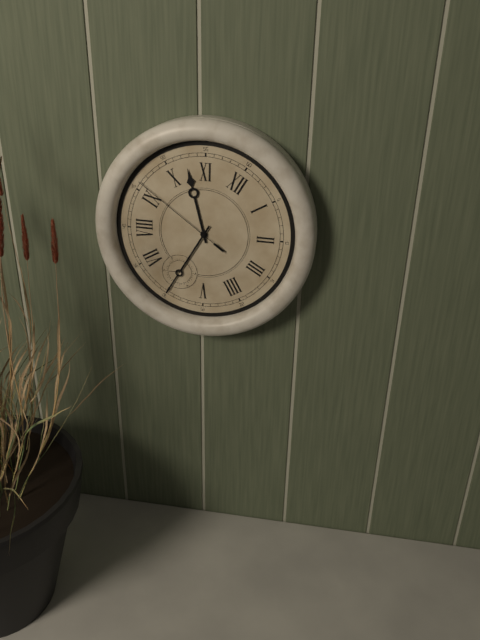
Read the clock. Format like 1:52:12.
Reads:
10:30:46
